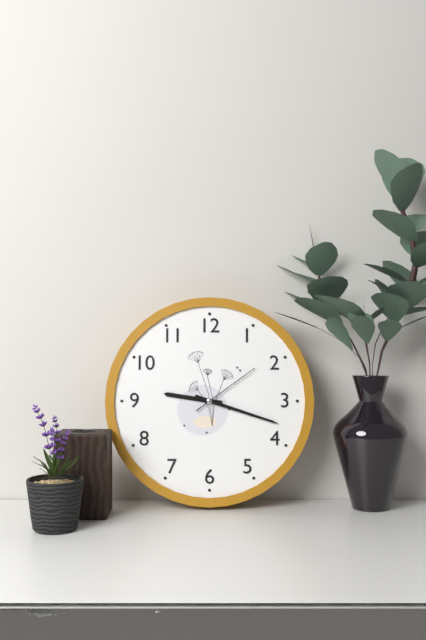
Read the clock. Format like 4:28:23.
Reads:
9:18:09
